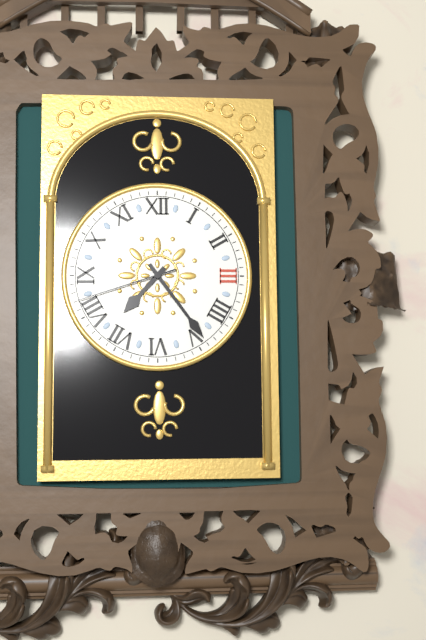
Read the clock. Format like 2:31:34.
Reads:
7:24:42
